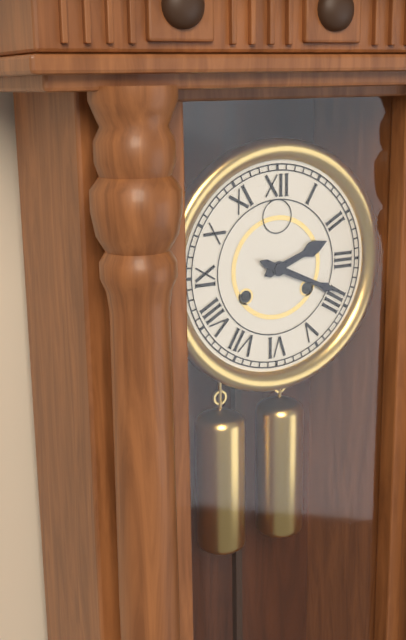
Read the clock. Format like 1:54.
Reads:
2:19
